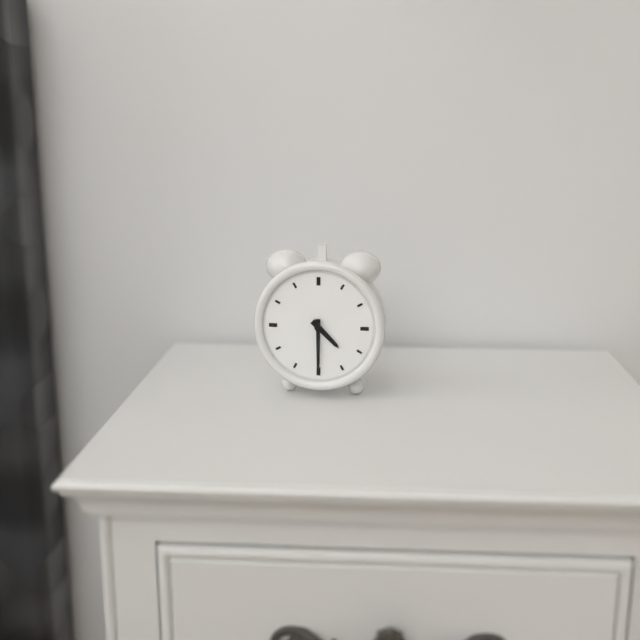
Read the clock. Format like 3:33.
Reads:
4:30
